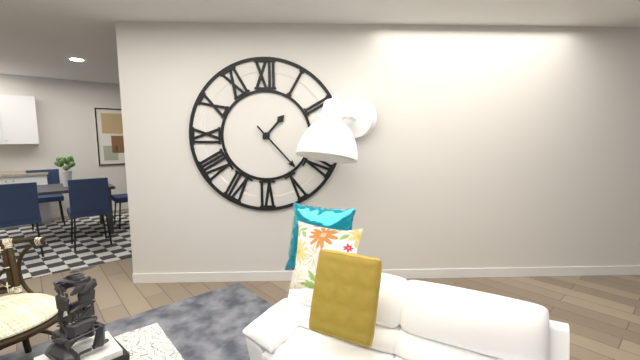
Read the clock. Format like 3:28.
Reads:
1:23
